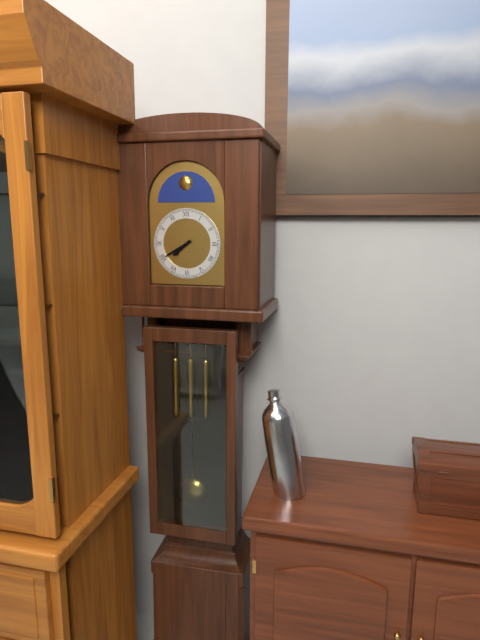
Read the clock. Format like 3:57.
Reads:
7:40
